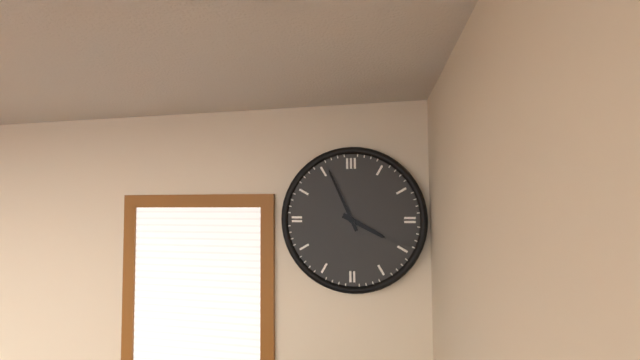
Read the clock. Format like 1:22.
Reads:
3:56
